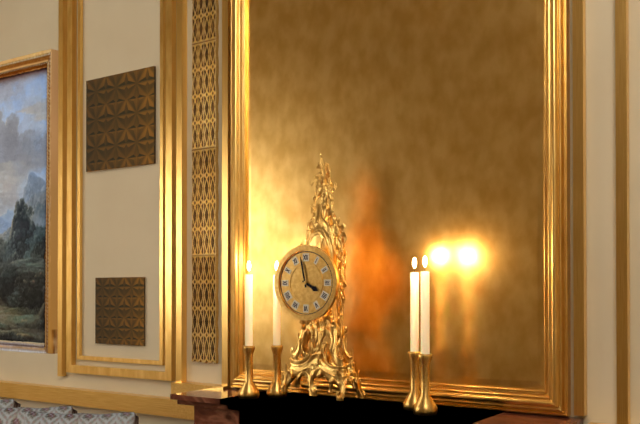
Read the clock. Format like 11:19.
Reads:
3:58
